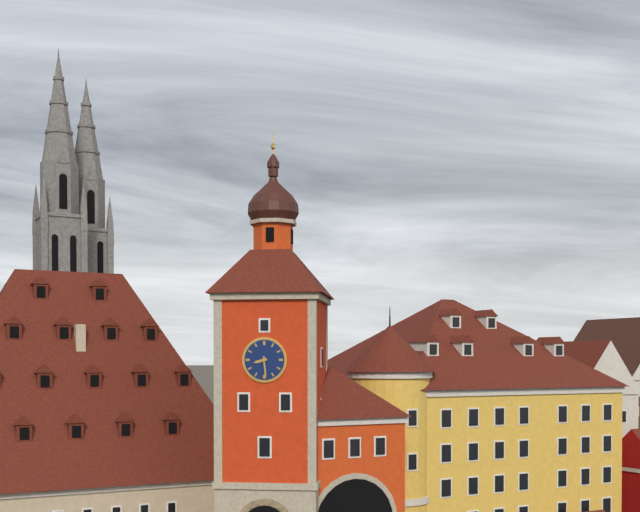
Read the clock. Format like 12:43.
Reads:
8:29
